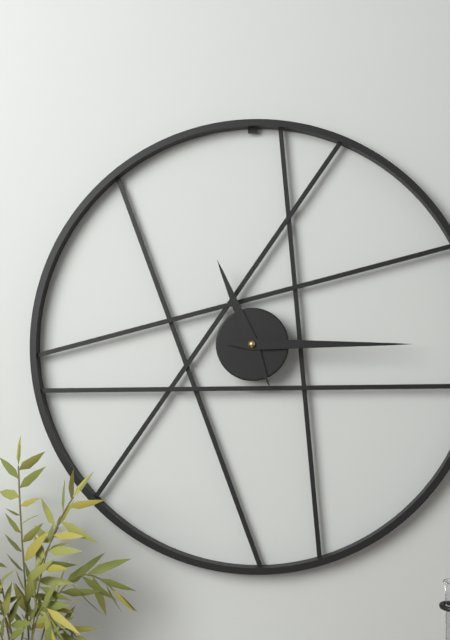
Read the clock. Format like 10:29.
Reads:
11:15
